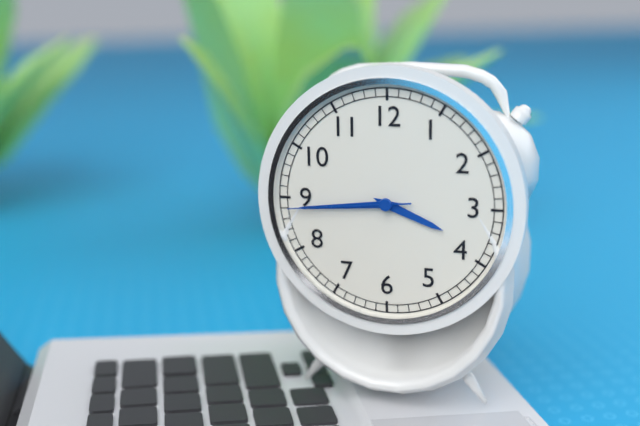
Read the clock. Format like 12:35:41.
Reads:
3:44:44
